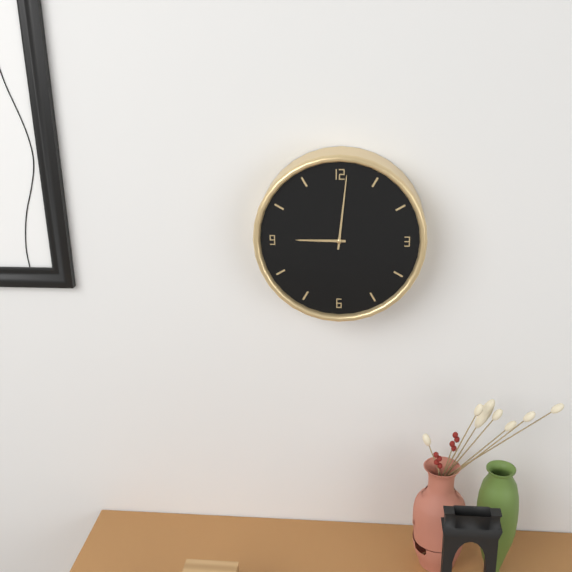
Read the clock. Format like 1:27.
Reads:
9:01
